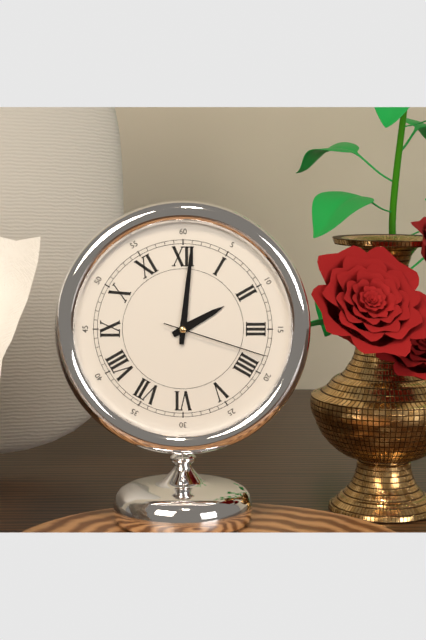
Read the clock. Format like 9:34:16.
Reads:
2:01:18
